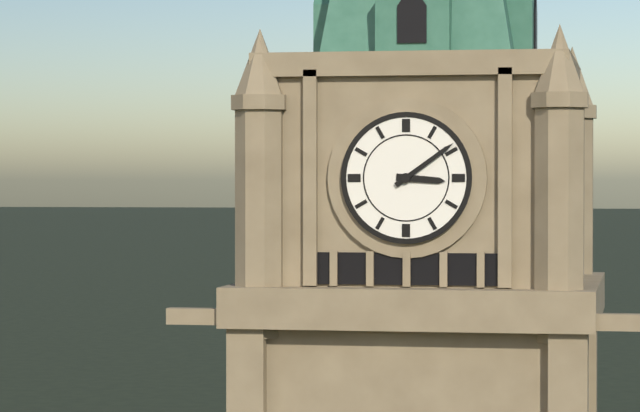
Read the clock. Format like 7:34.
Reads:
3:09
